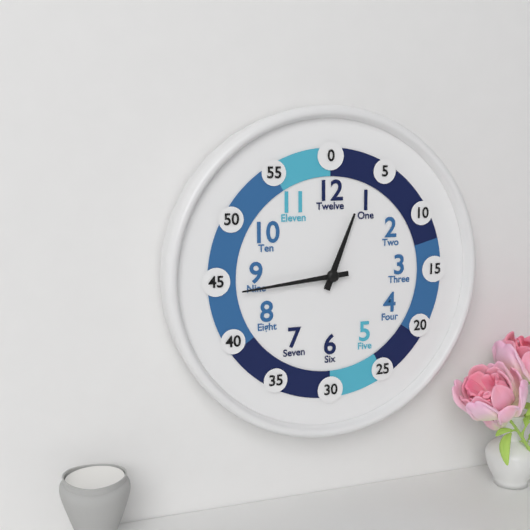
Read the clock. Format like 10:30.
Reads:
12:44
